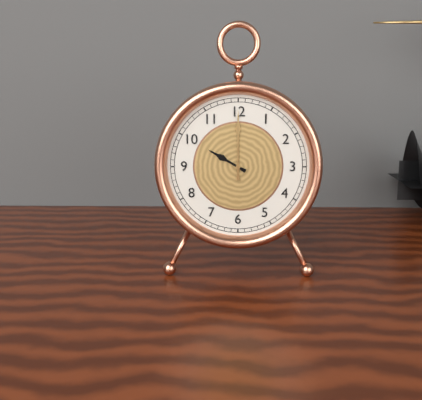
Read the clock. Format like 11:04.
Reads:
10:00
